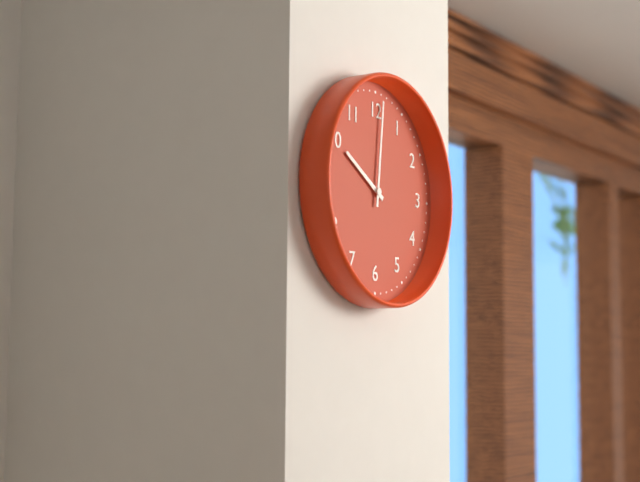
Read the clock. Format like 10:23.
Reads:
10:01
